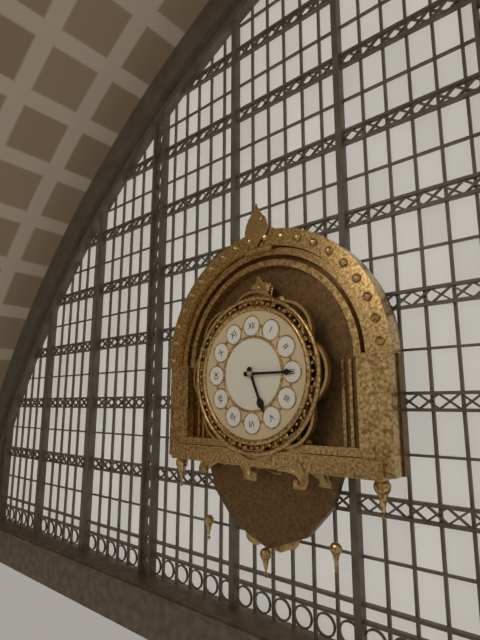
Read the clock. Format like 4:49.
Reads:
5:15
